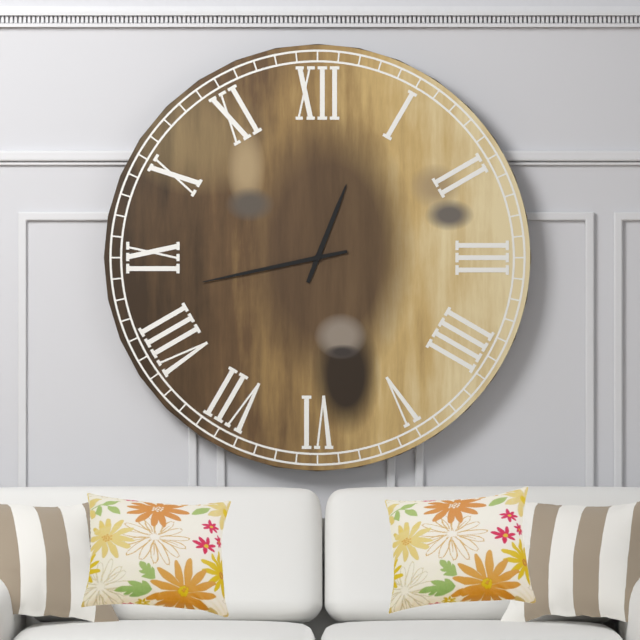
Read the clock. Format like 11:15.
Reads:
12:43
